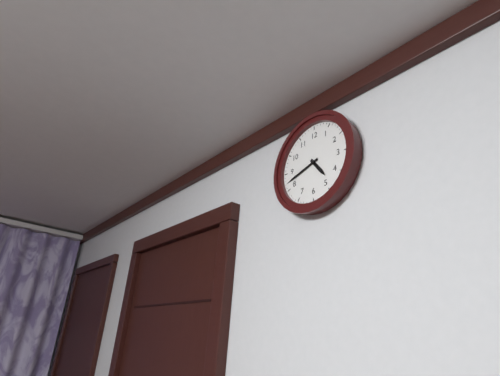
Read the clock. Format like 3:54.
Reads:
4:42
